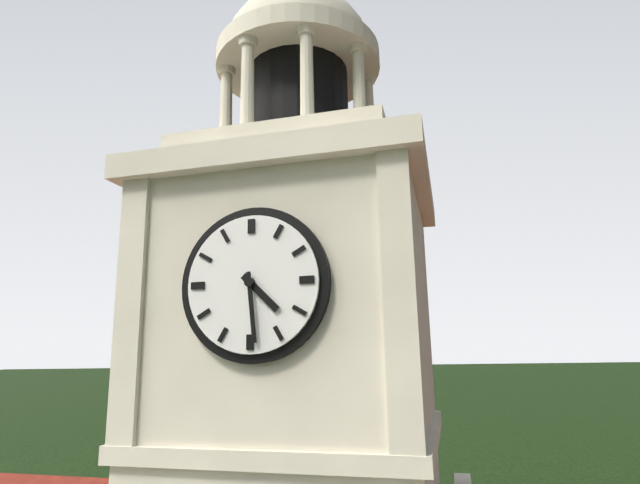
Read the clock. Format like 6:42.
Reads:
4:29
